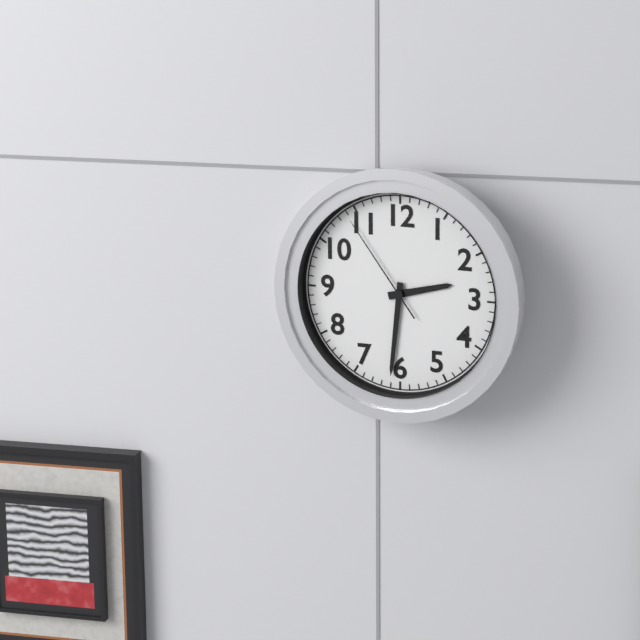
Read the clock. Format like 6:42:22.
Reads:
2:31:54
